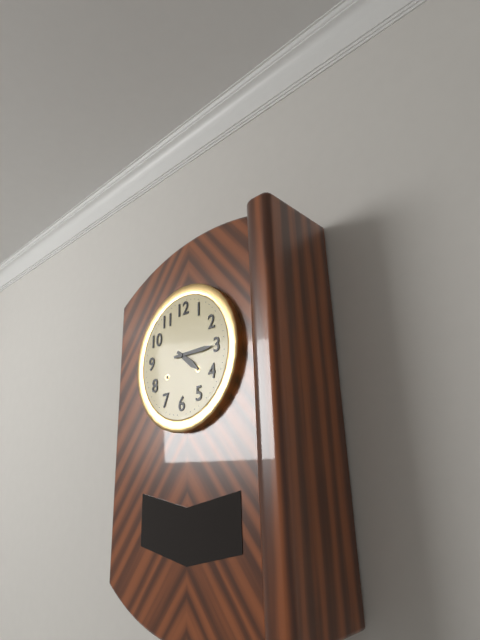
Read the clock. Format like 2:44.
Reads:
4:15
